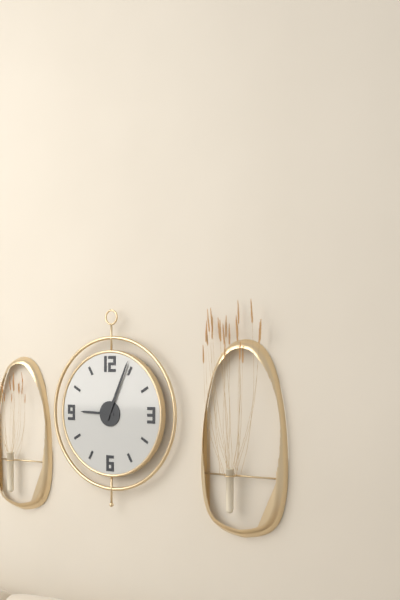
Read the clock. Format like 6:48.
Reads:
9:04
